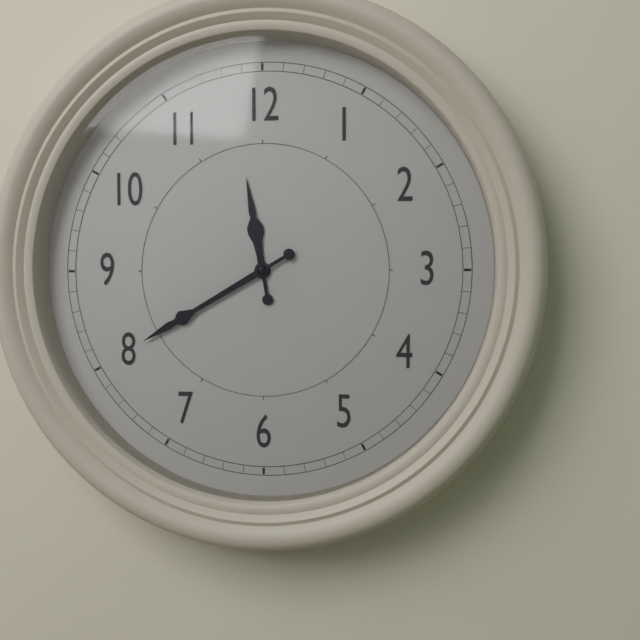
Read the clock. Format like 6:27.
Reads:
11:40
